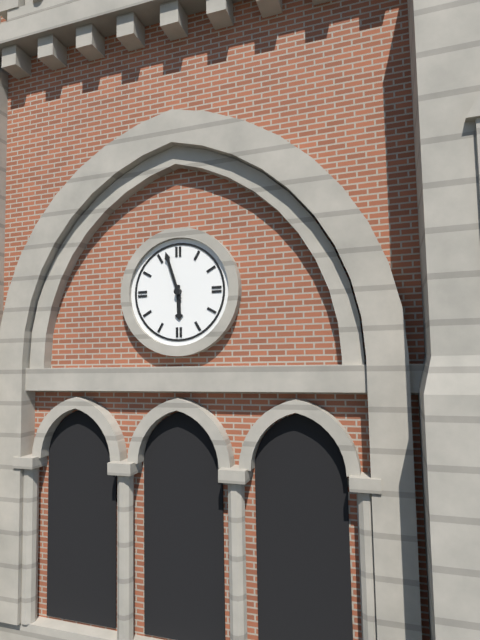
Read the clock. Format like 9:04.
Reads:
5:57
